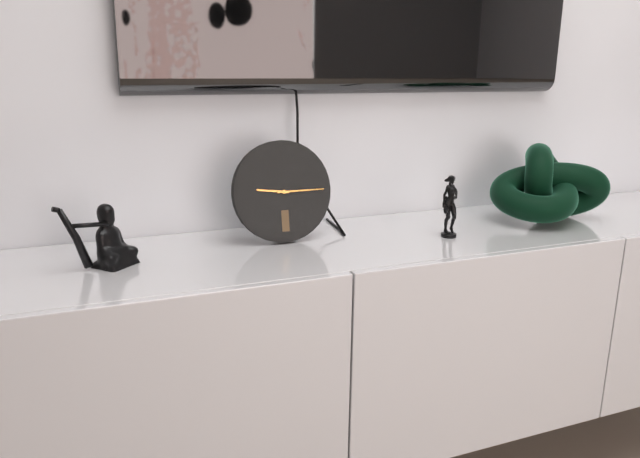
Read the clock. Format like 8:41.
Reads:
9:15
